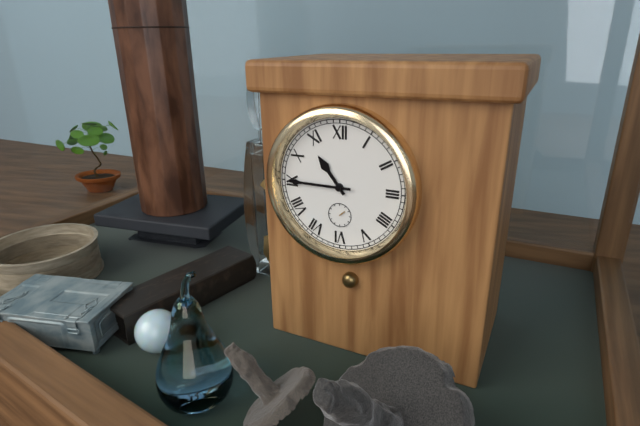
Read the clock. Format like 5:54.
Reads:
10:45
